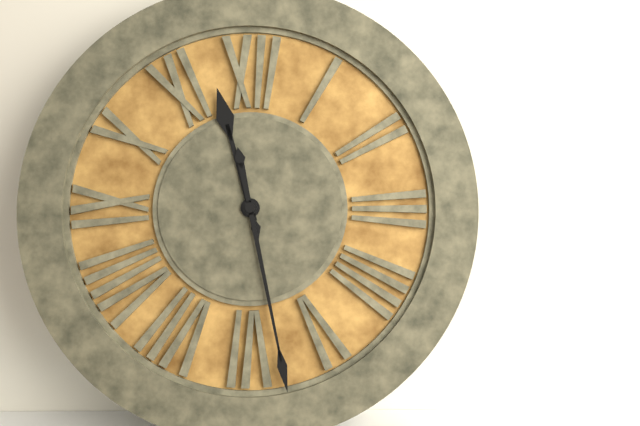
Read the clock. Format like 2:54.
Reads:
11:28
